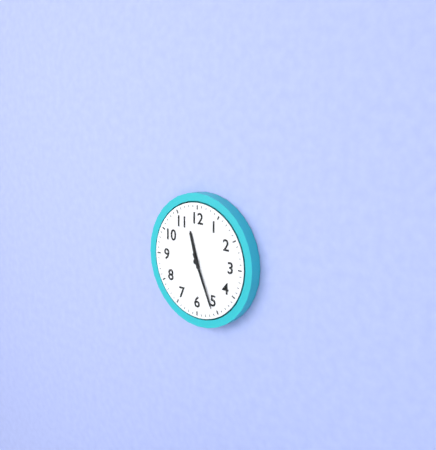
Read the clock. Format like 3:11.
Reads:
11:26
